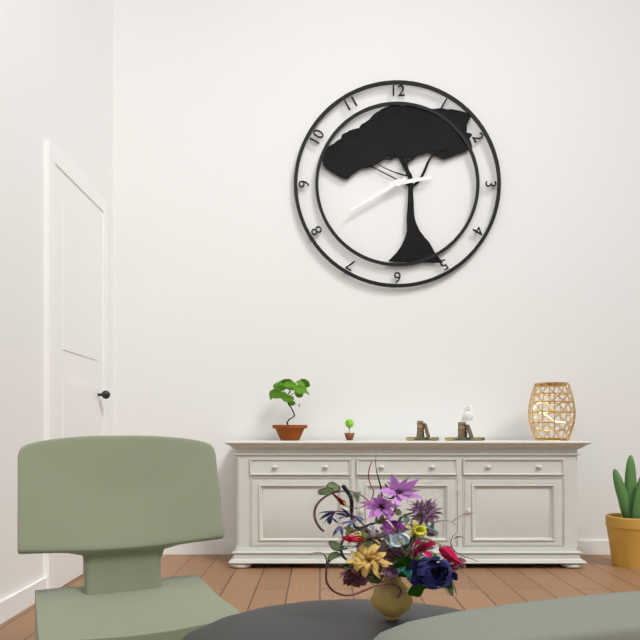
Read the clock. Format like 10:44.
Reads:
2:40
